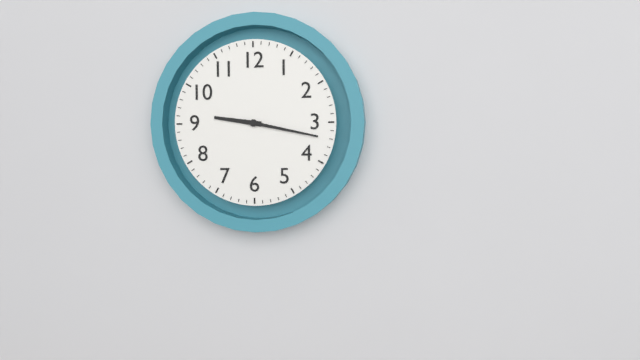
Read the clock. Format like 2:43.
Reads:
9:17
